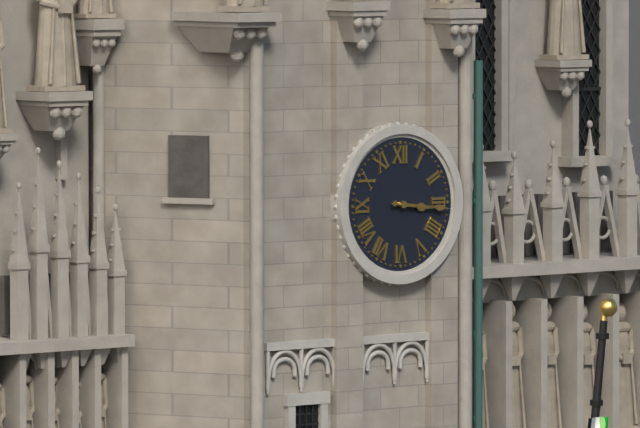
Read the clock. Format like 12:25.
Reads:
3:16
